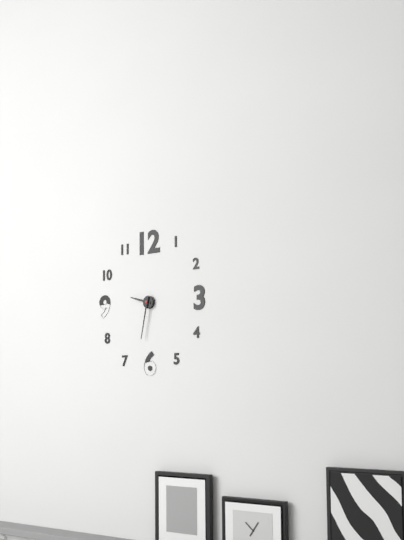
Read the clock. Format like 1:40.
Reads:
9:32
